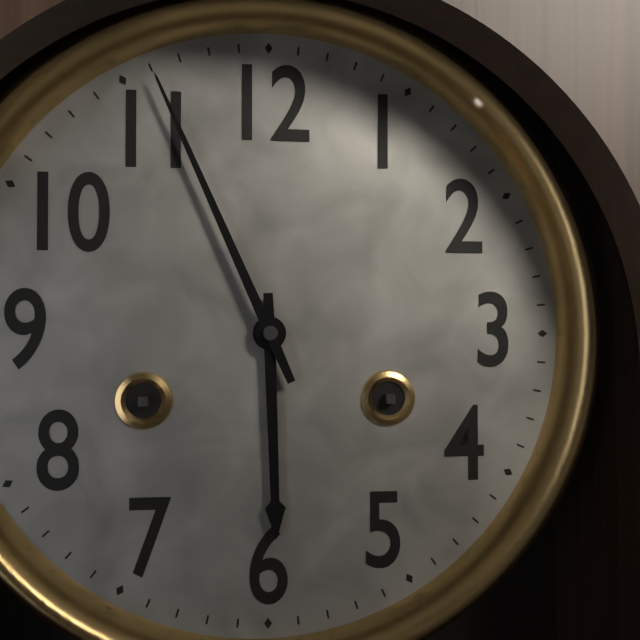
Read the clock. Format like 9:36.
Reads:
5:56
